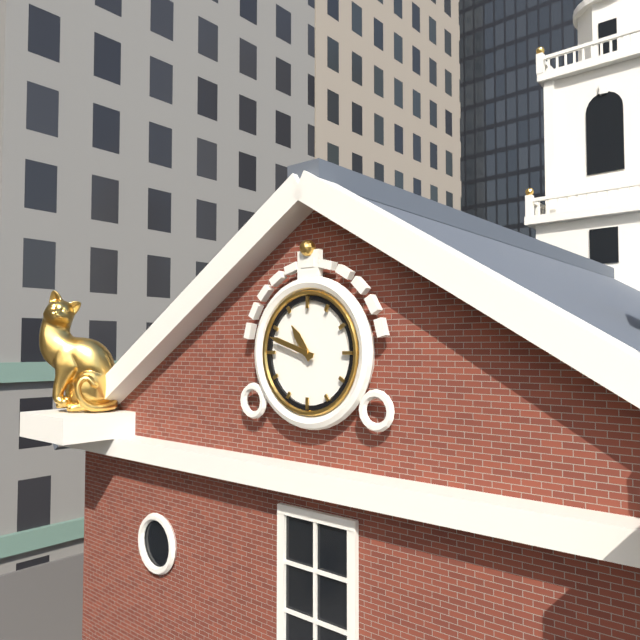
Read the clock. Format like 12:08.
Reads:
10:48
